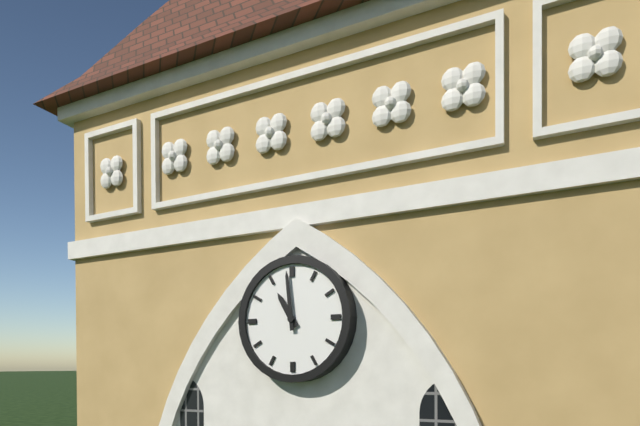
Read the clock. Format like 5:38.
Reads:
10:59
